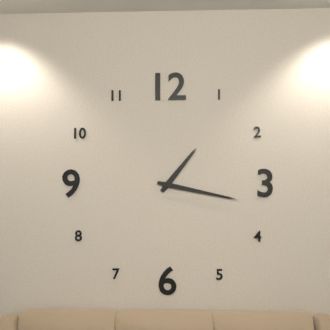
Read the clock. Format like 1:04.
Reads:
1:17
